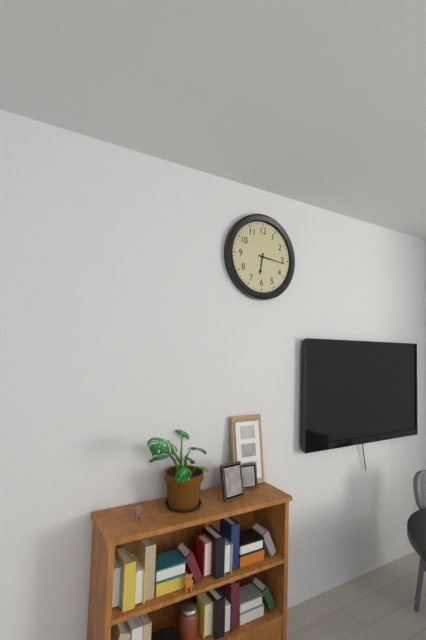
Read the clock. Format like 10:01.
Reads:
6:16
